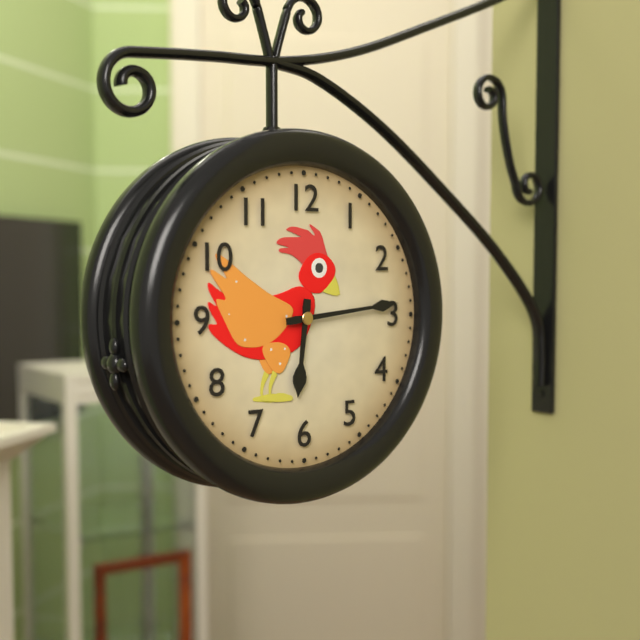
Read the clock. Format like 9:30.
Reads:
6:14
